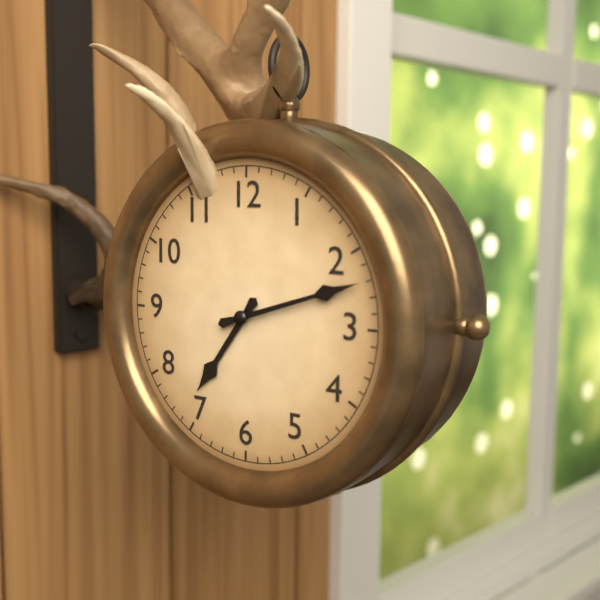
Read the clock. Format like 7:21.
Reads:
7:12
